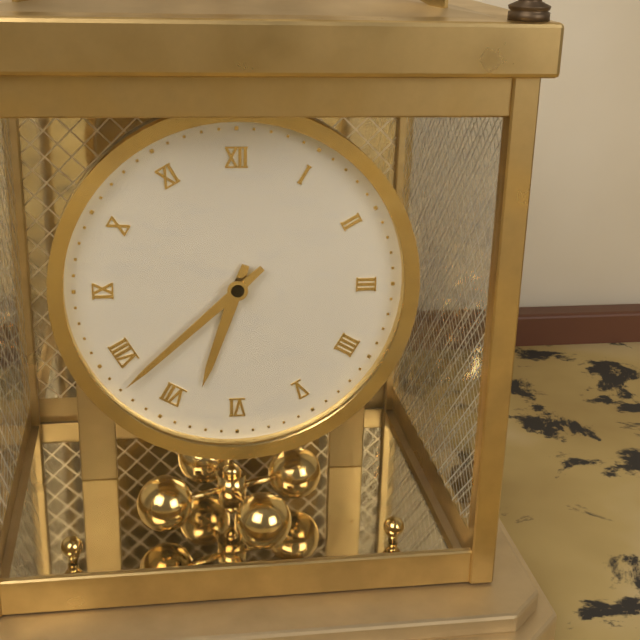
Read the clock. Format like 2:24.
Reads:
6:38
